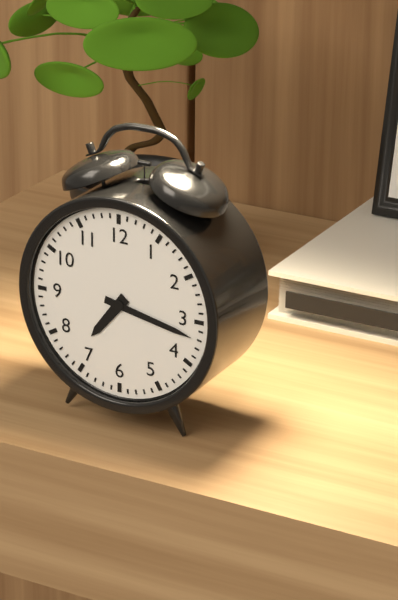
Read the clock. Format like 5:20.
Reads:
7:17
